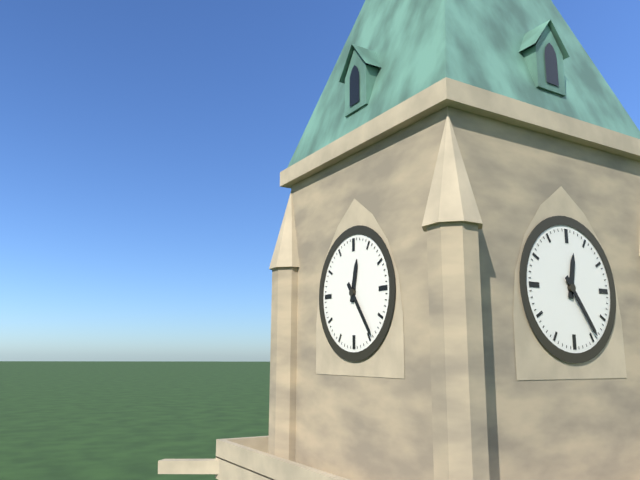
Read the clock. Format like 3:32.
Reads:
12:24
